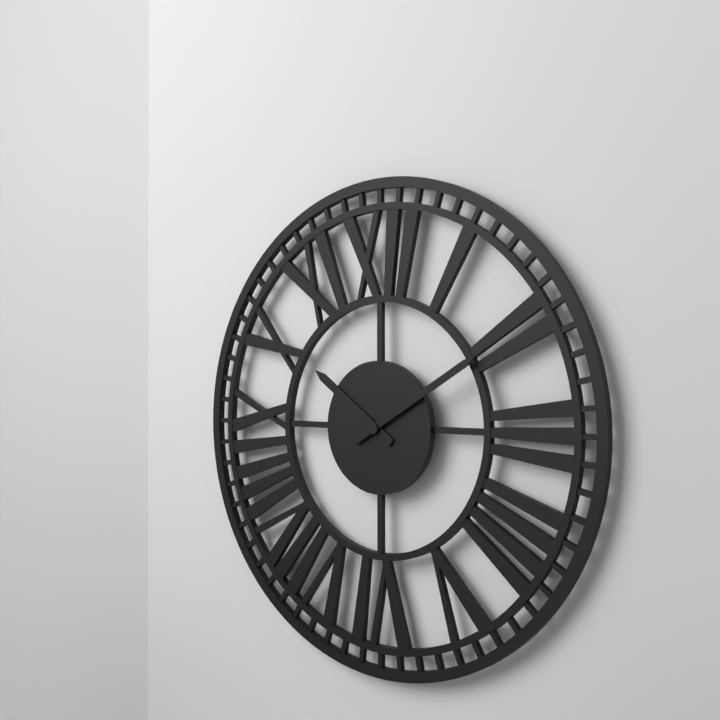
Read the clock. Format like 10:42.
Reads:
10:10
